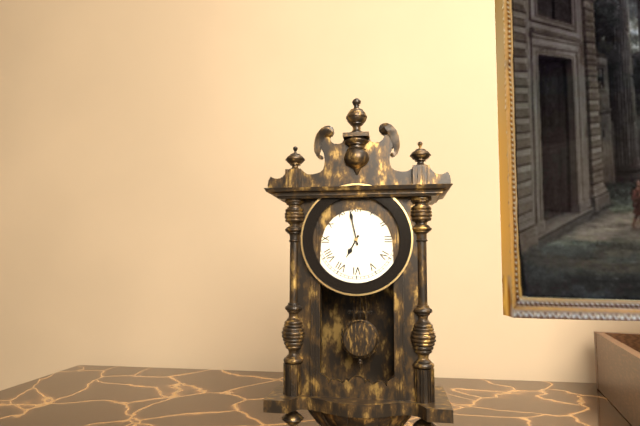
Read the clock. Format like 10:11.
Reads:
6:58
